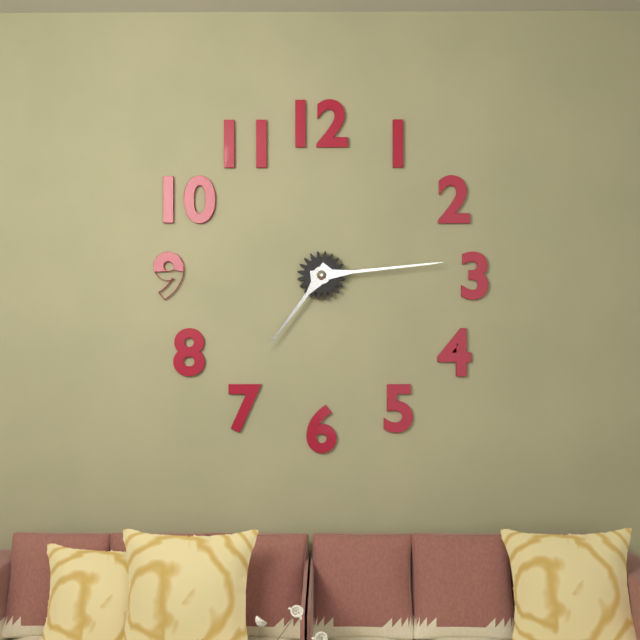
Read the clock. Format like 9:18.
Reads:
7:14
